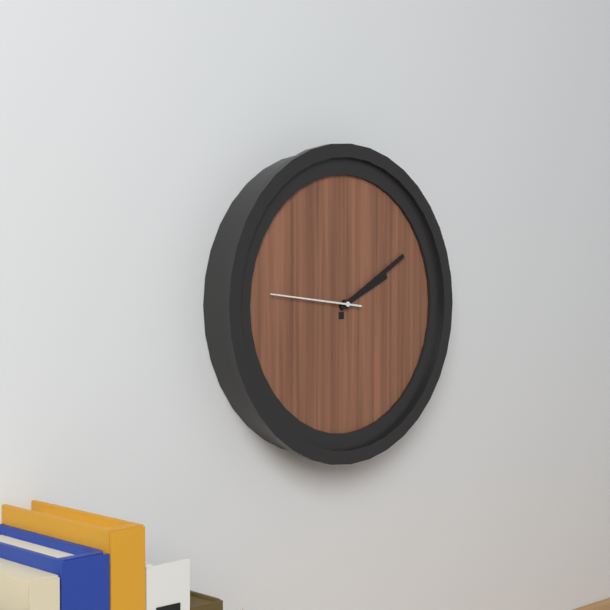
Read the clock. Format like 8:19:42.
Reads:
2:10:46
